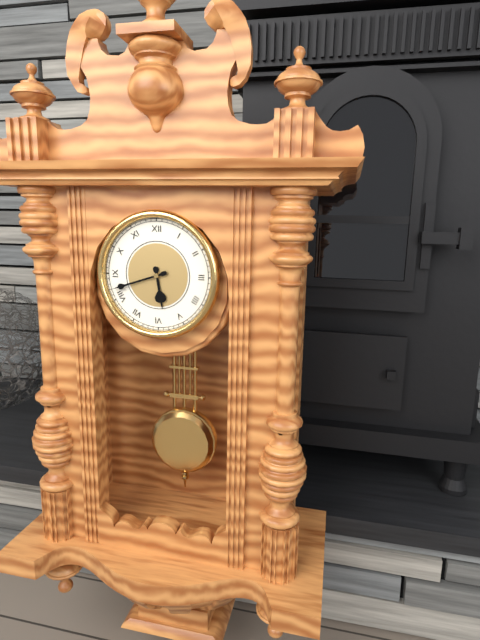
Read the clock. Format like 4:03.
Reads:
5:42
